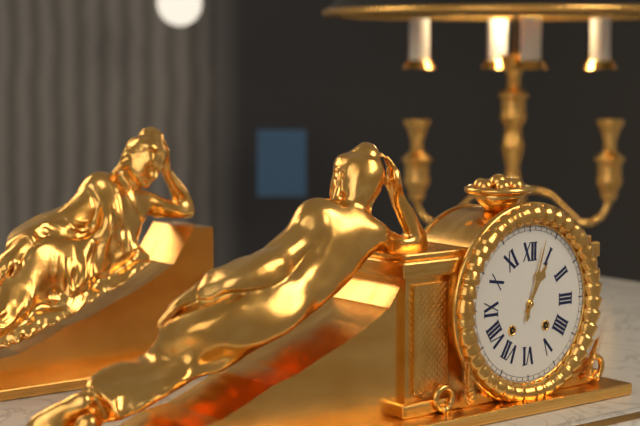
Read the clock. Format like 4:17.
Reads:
1:03
